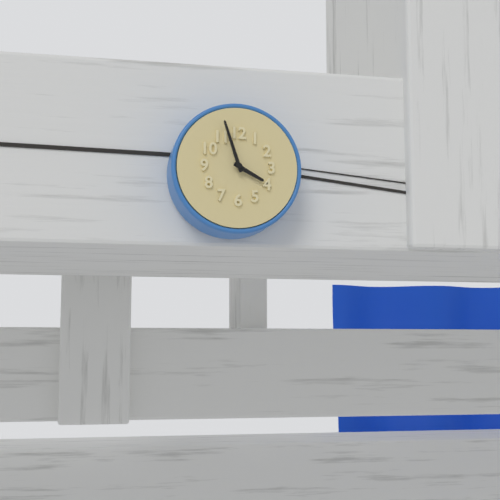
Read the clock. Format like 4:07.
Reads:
3:57
